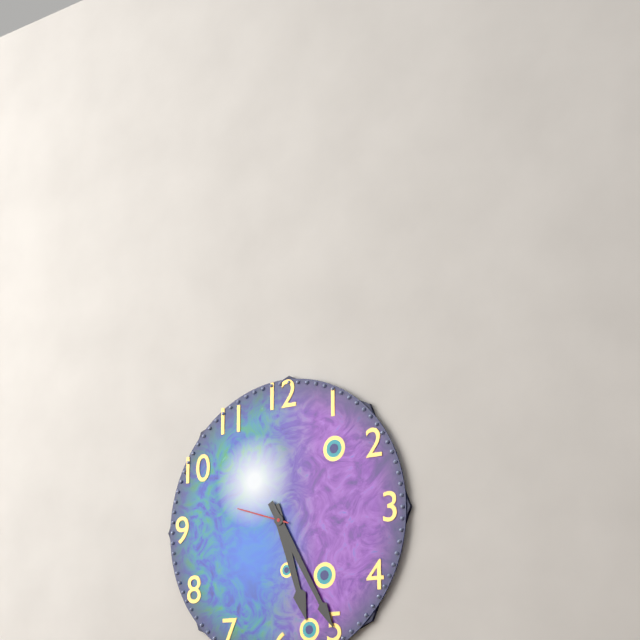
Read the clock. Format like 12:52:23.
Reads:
5:25:48
